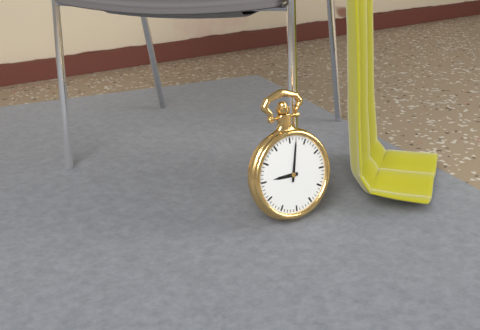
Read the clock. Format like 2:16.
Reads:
9:02
